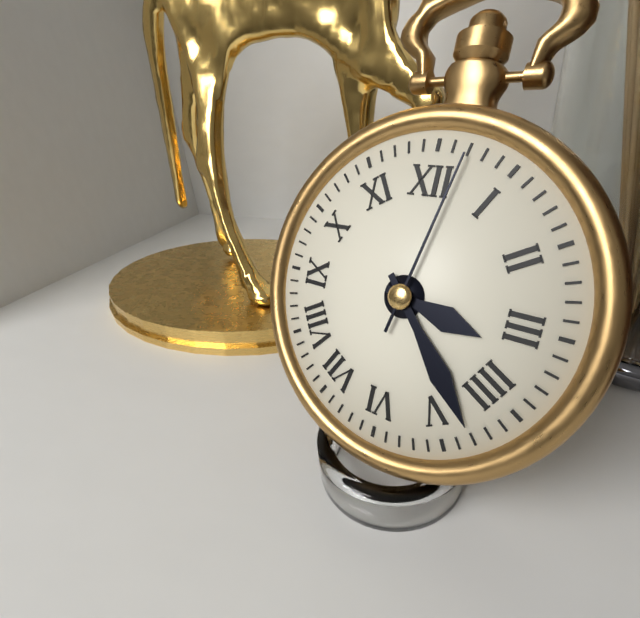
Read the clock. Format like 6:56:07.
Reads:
3:23:02
